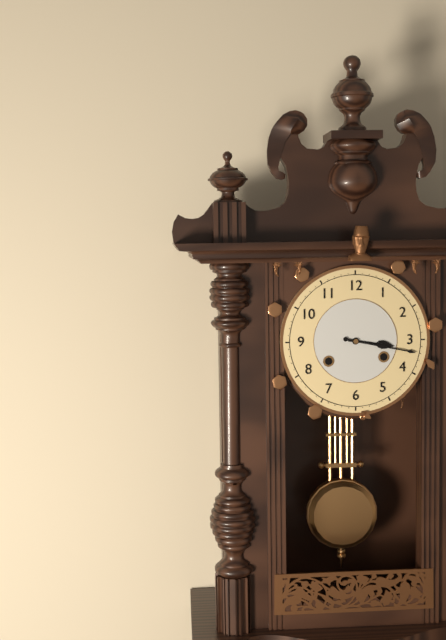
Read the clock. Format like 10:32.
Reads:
3:17
